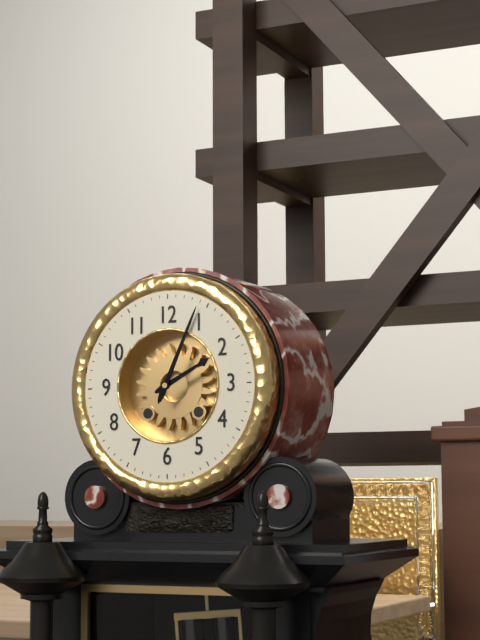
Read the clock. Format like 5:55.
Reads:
2:04
